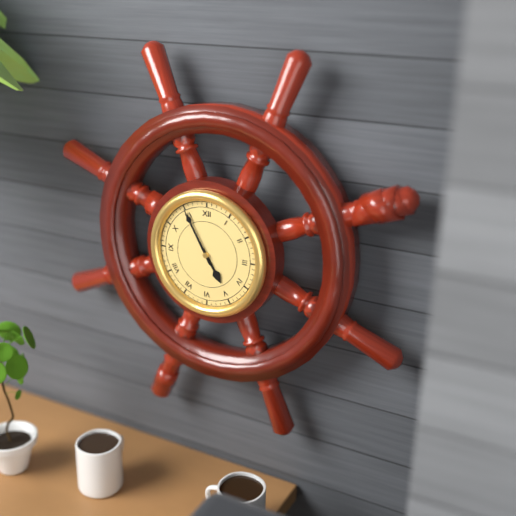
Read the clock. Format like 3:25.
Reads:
4:55
